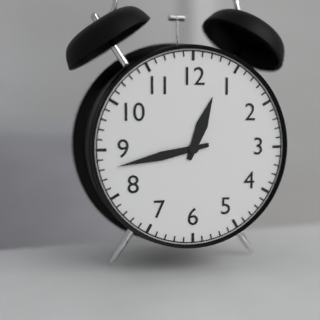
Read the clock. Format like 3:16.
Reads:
12:43
